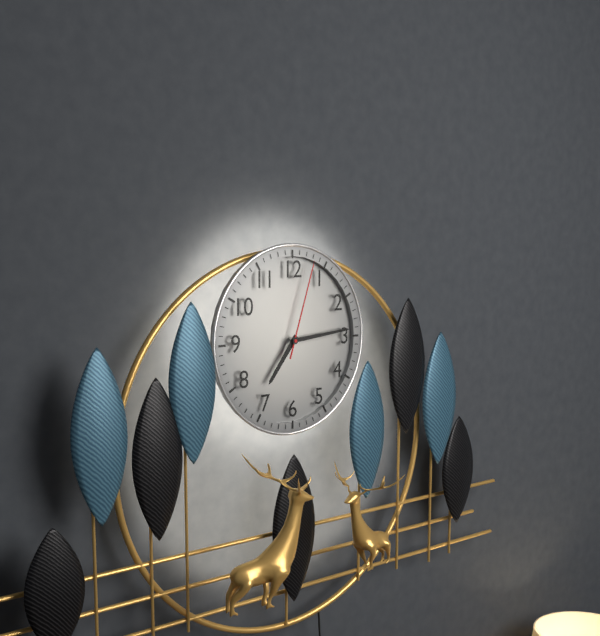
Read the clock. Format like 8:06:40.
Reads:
7:14:03
